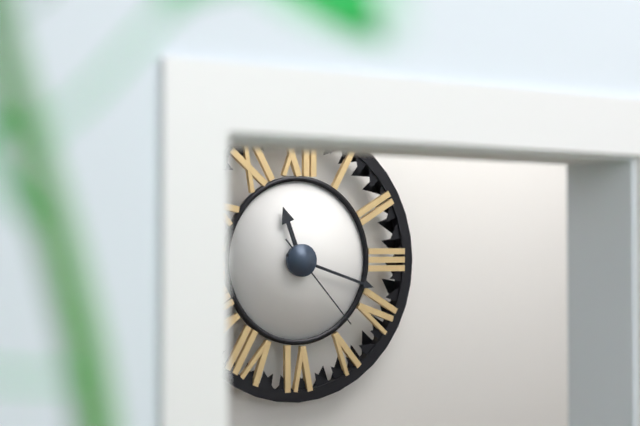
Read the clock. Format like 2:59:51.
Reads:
11:18:23
